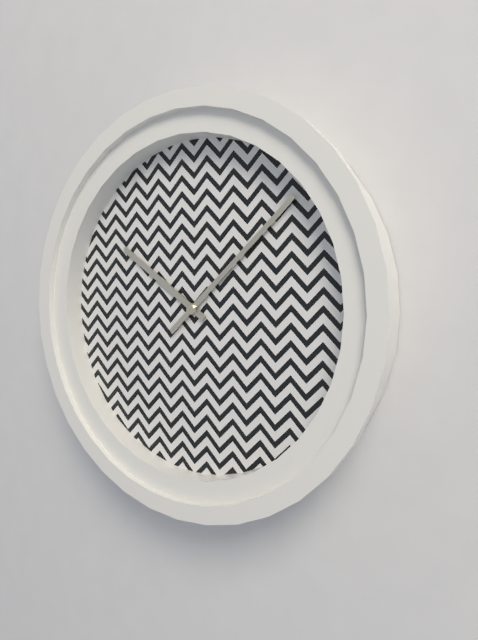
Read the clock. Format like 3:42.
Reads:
10:08
